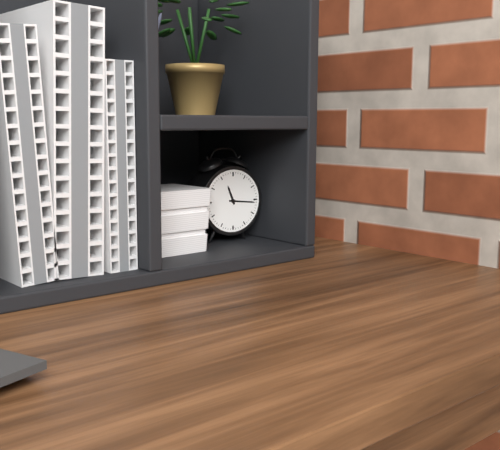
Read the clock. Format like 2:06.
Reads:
11:16
